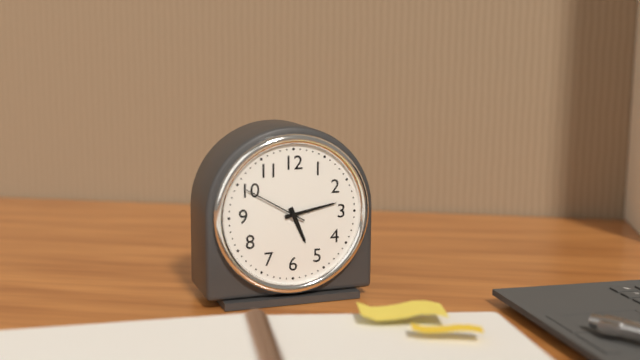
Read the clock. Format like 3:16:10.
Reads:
5:13:50
